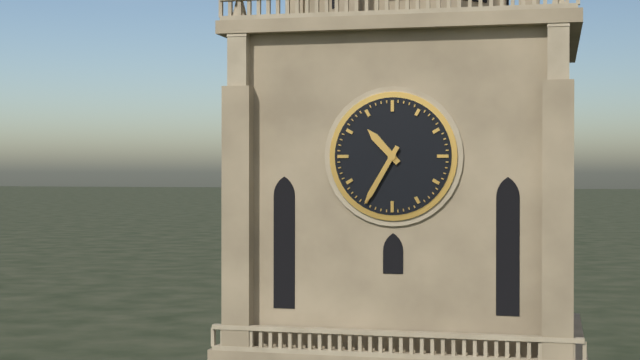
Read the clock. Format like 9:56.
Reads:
10:35
